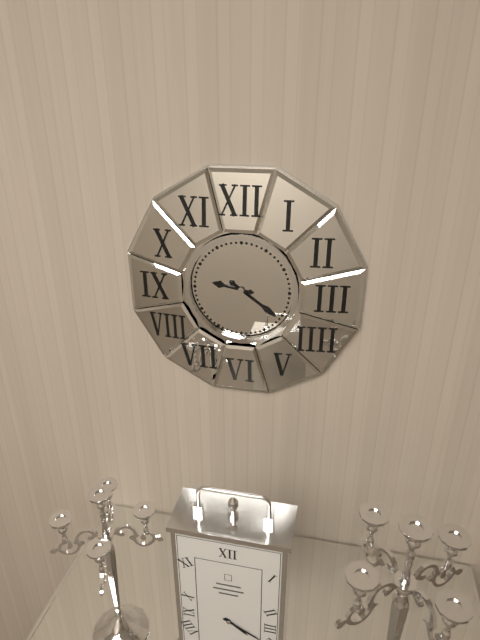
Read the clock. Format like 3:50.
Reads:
9:21
